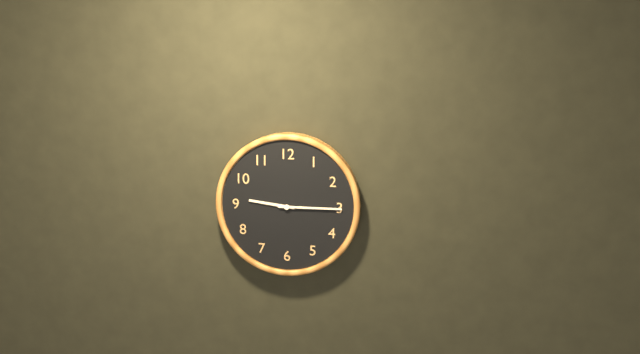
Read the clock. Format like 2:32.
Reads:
9:15
